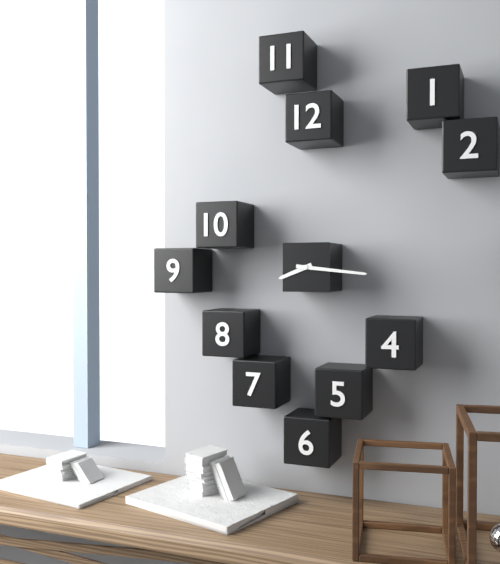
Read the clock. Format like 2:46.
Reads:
8:16
